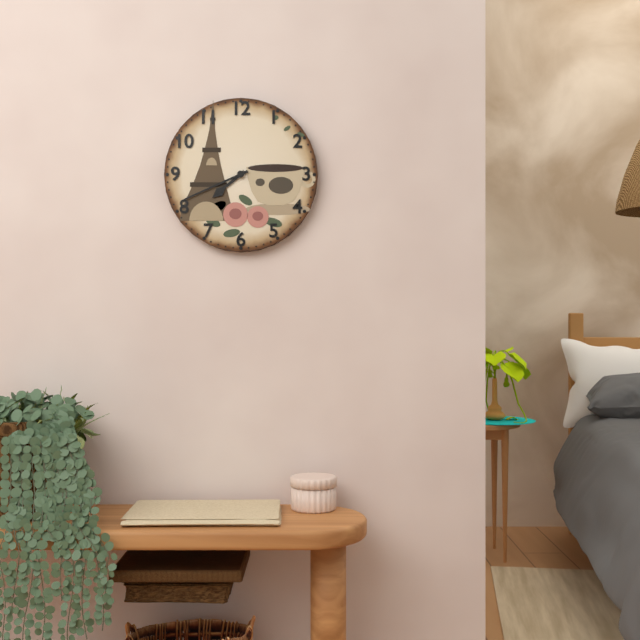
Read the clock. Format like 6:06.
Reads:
7:41
